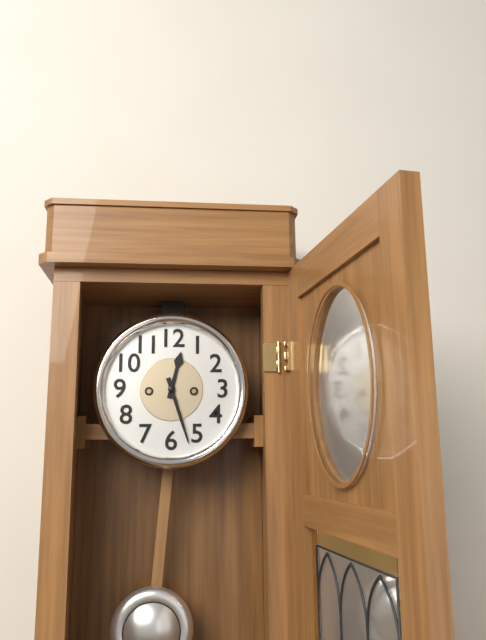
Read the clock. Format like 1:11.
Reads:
12:27
